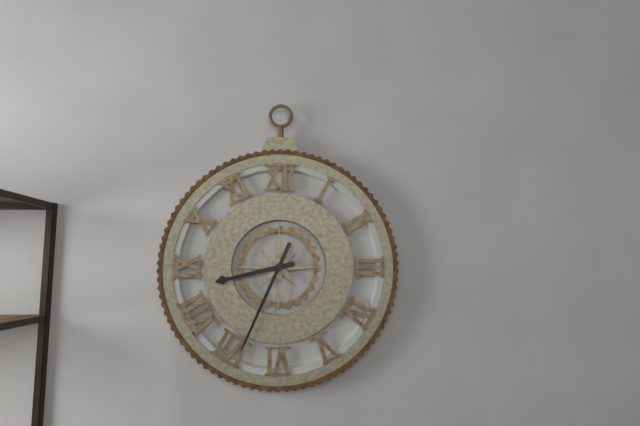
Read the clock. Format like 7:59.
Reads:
8:34
